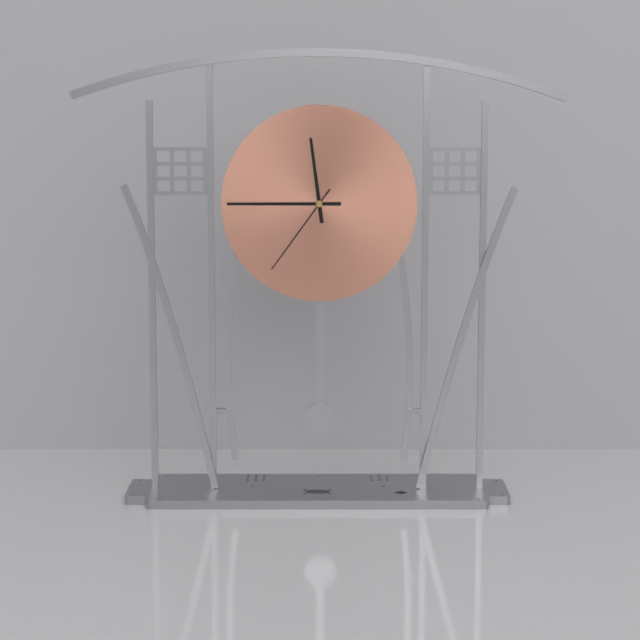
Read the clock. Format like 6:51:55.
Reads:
11:45:36
